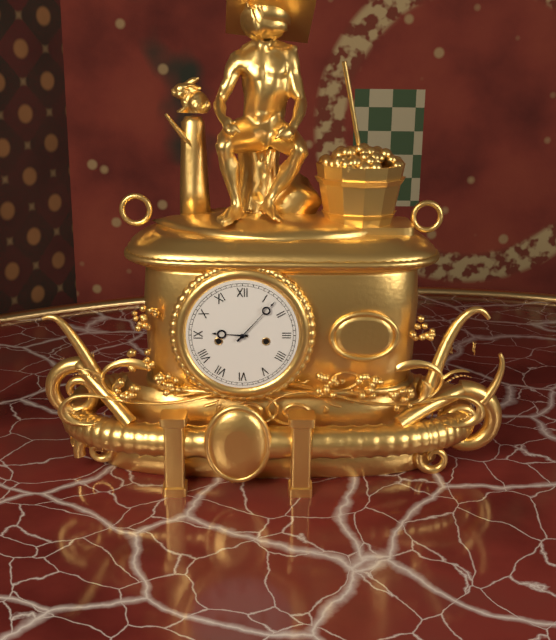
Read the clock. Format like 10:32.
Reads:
9:07
